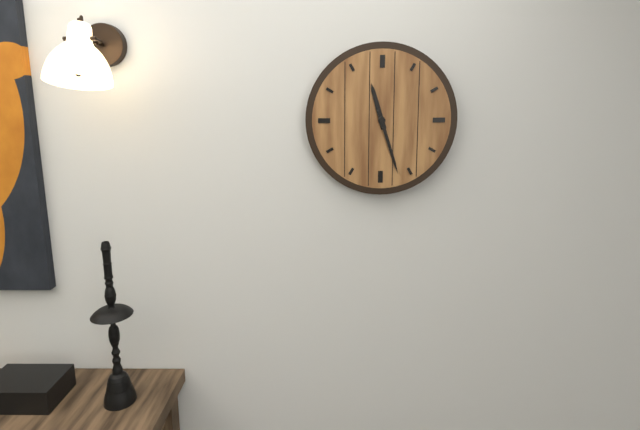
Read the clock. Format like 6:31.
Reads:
11:27
